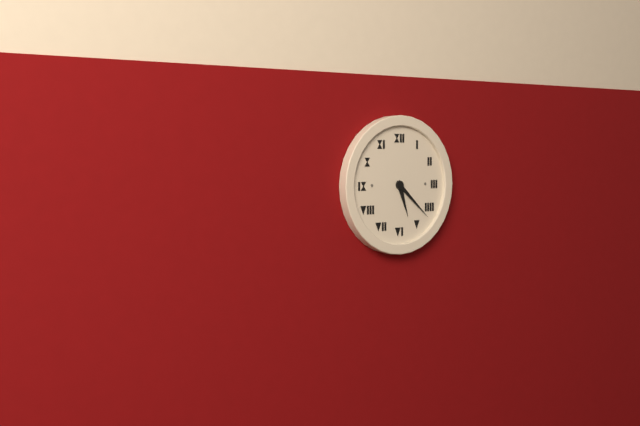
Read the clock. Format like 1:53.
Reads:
5:22
